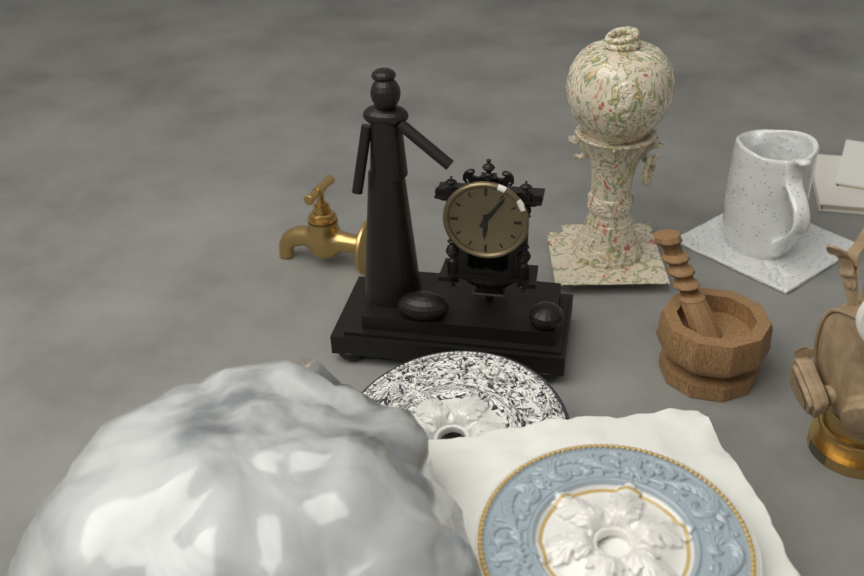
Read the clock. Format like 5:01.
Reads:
6:06
